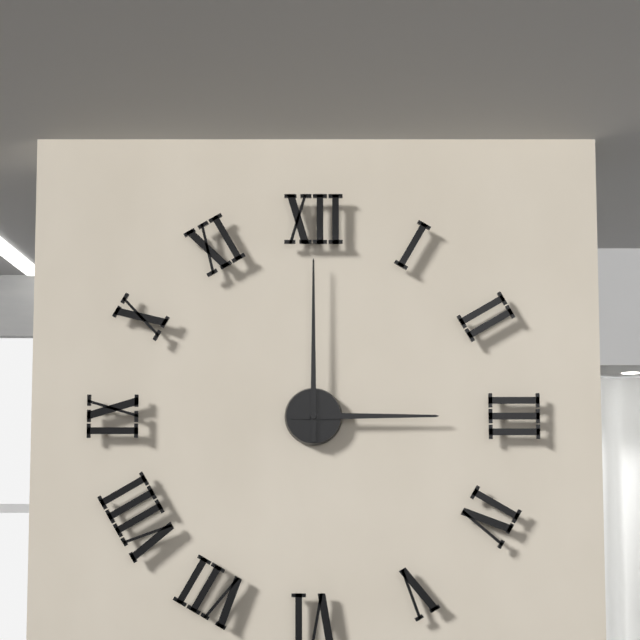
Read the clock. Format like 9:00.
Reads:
3:00
